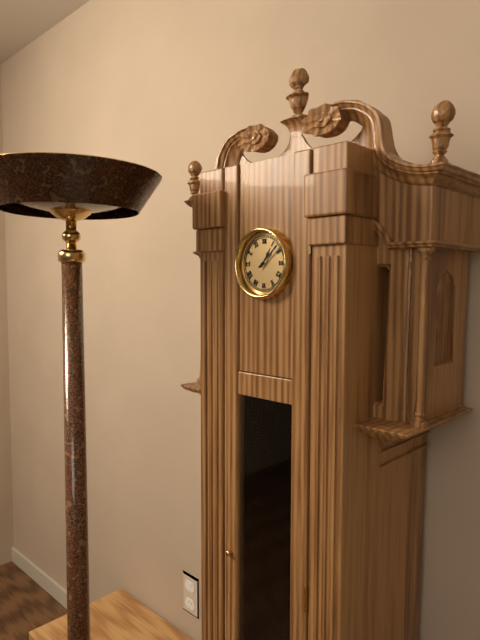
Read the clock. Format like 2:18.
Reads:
1:08
